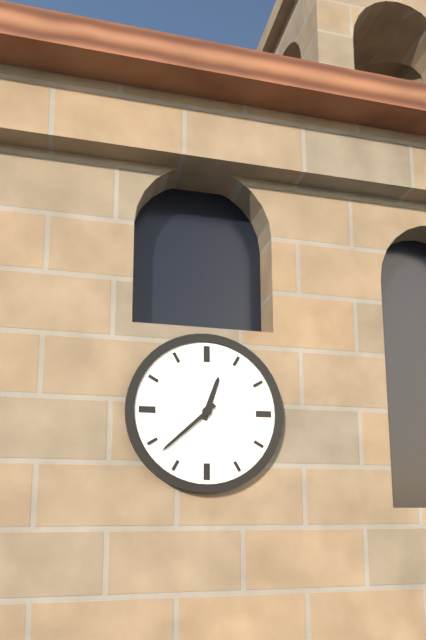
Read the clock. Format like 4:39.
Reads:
12:38
